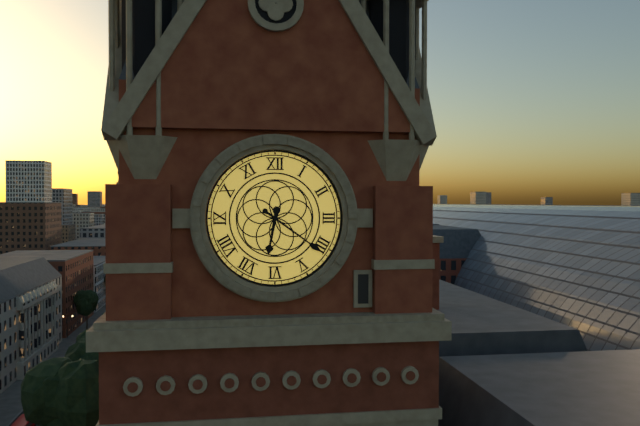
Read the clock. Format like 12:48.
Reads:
6:21
